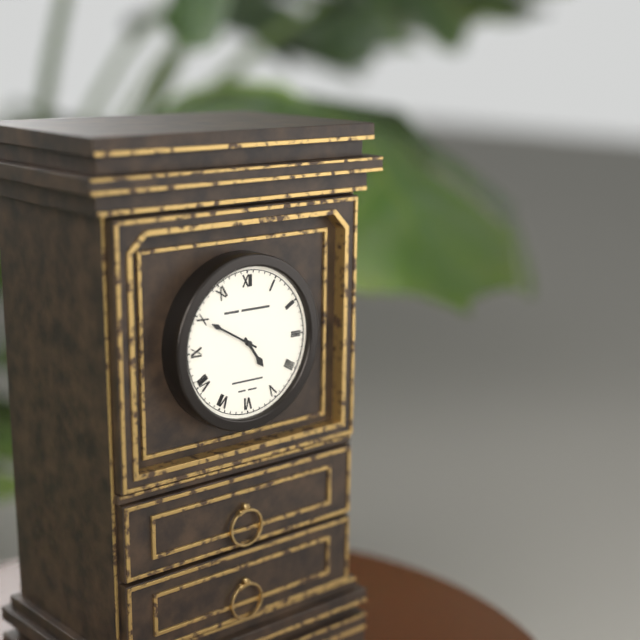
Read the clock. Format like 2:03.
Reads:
4:50
